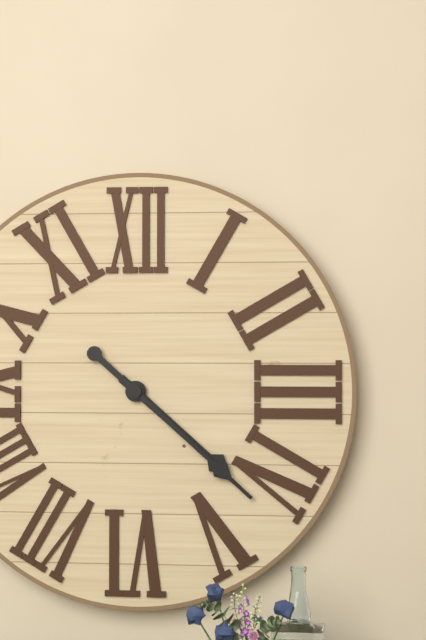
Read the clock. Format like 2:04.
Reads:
4:22
